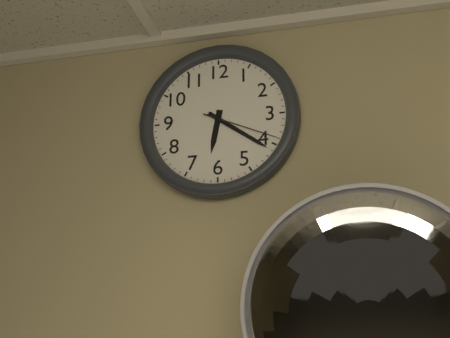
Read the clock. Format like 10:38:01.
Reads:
6:21:19
